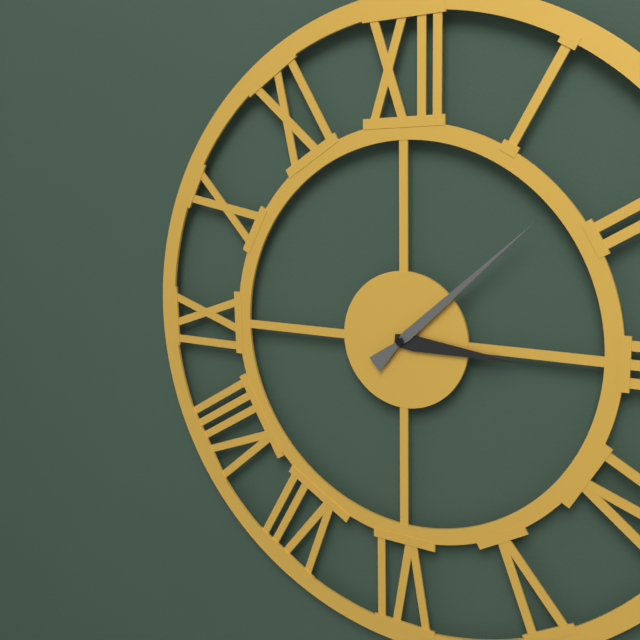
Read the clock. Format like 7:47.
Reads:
3:08
